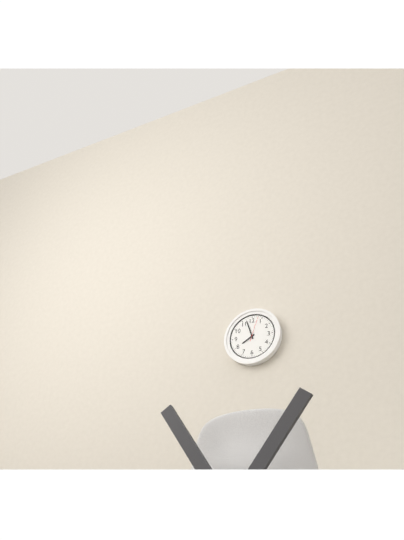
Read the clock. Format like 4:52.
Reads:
7:57
